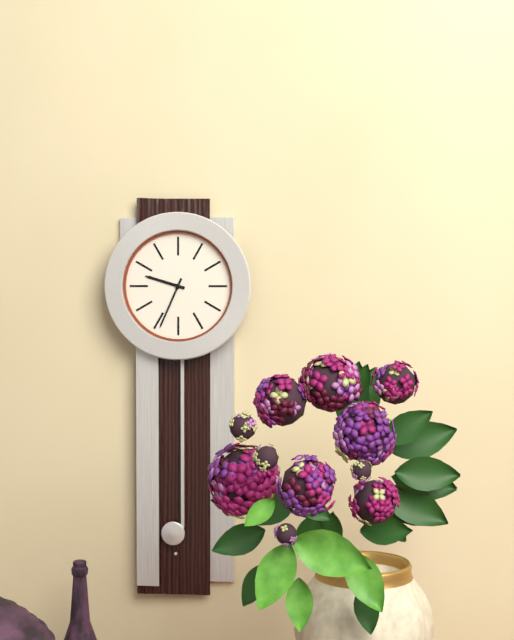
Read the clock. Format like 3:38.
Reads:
9:34
